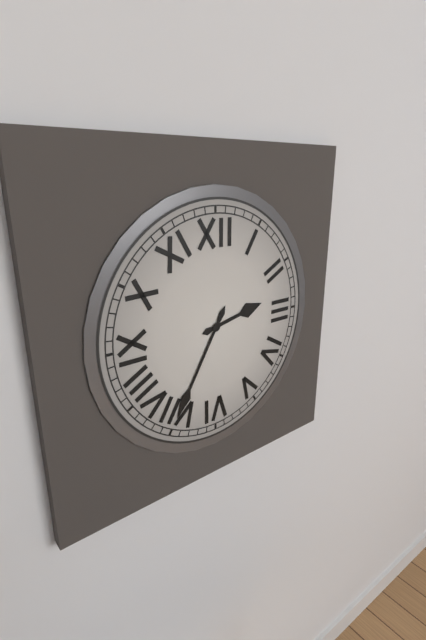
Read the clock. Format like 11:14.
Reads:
2:35
